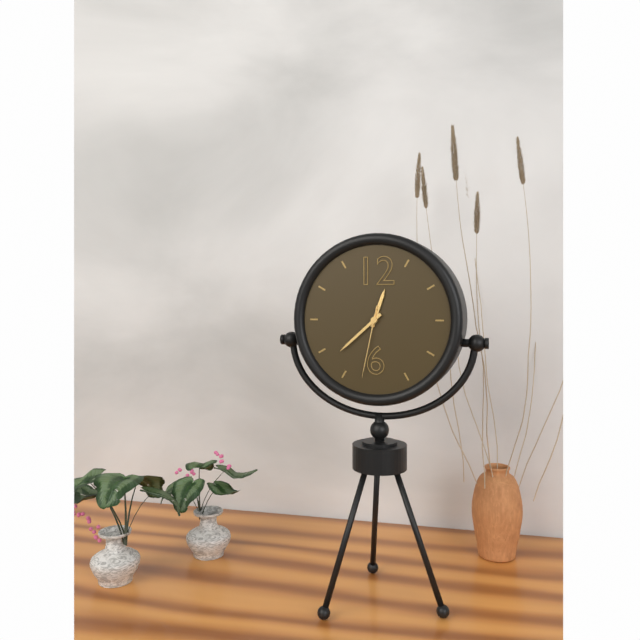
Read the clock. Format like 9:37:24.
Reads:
12:38:32
